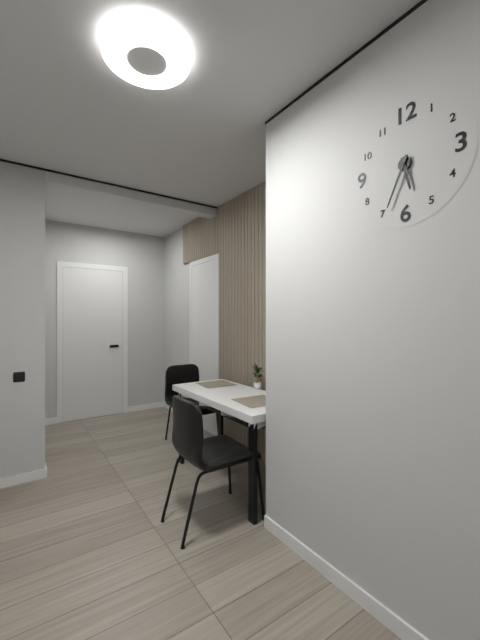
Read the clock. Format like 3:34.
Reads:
5:34
